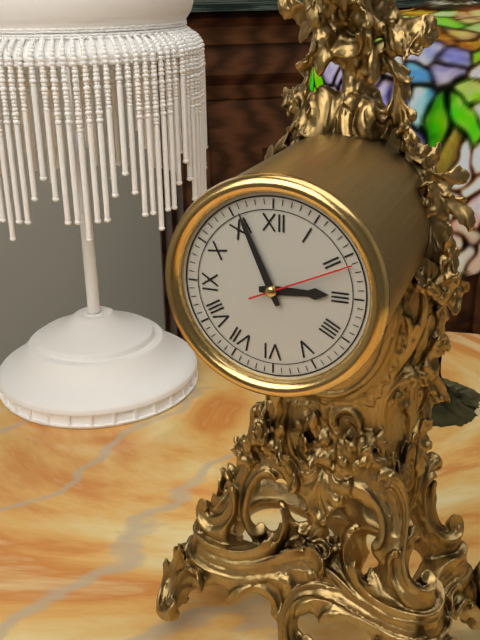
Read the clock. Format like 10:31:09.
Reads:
2:56:11
